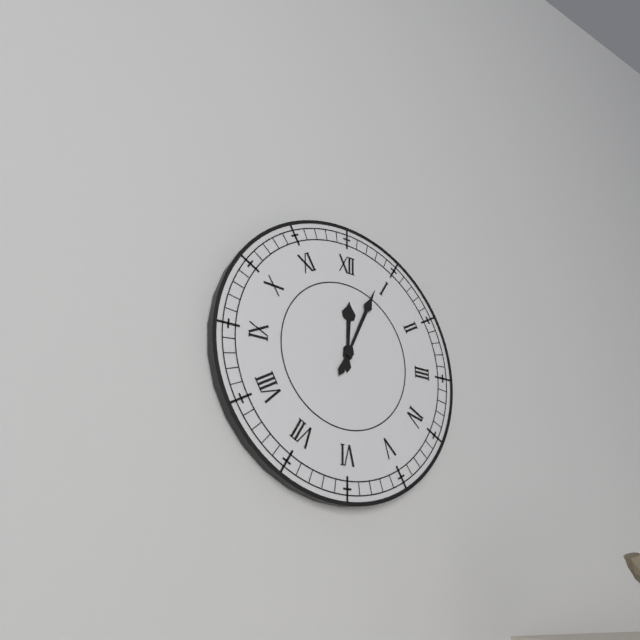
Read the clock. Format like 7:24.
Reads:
12:04
